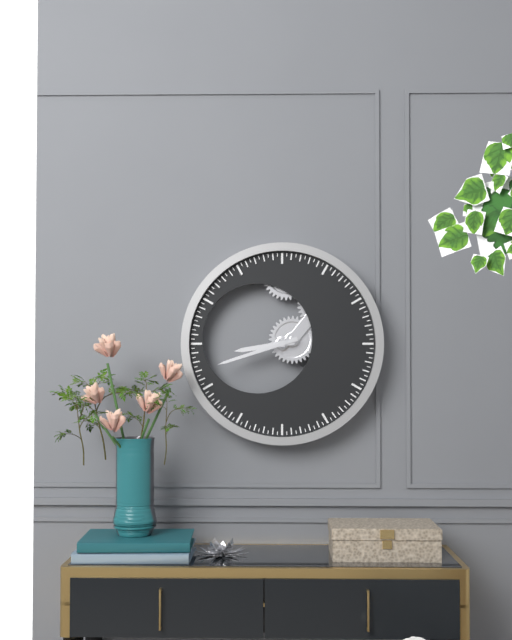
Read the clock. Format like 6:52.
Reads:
8:42
